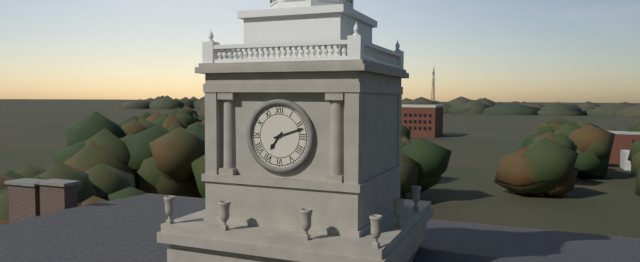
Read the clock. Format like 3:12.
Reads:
7:12
